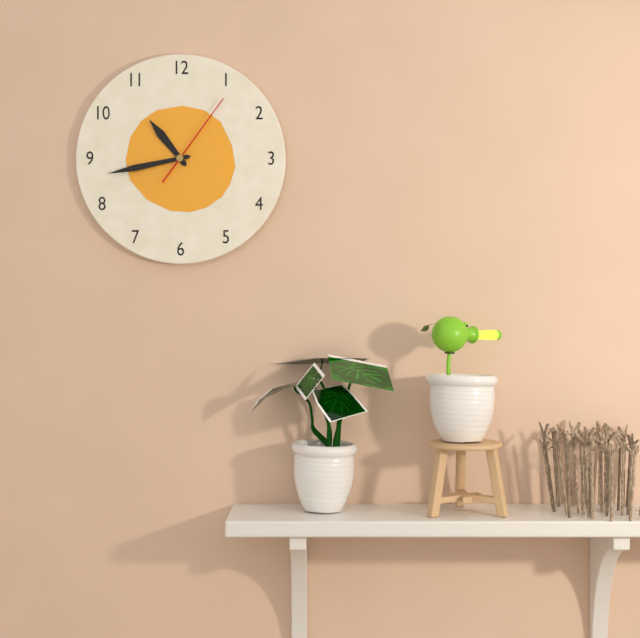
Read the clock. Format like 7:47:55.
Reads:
10:43:06
